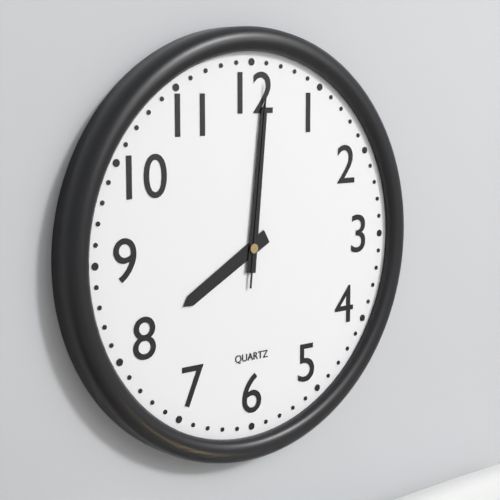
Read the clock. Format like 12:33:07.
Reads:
8:01:01
